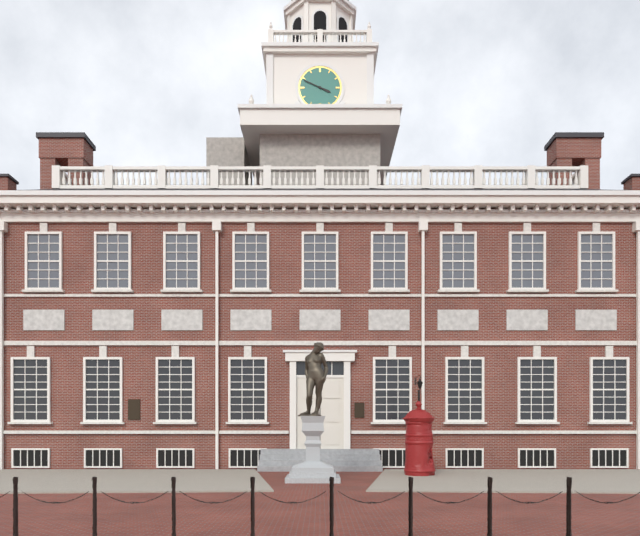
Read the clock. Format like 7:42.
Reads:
3:49
